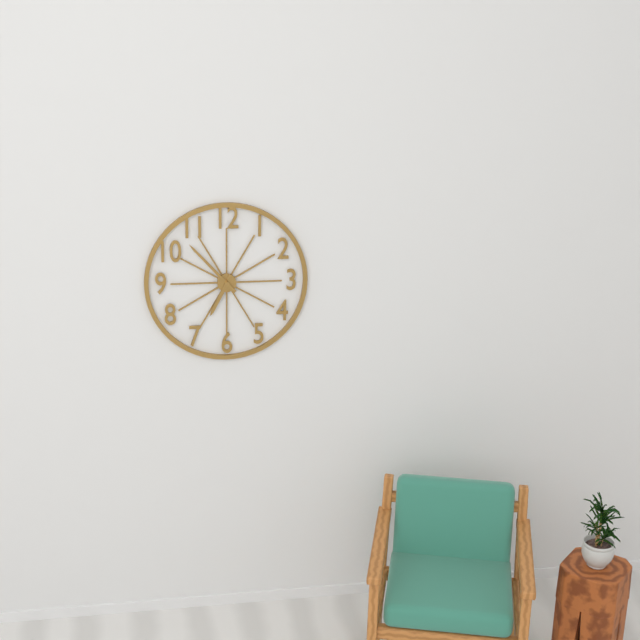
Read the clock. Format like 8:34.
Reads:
6:53
